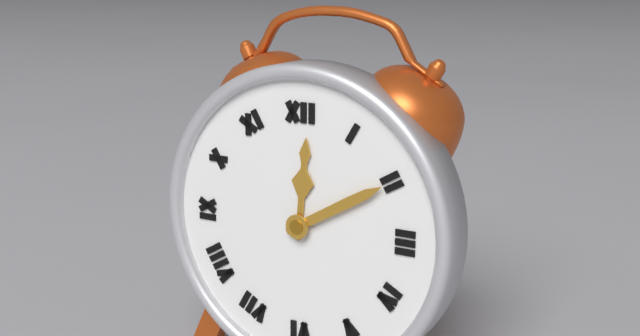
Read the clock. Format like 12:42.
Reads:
12:10
